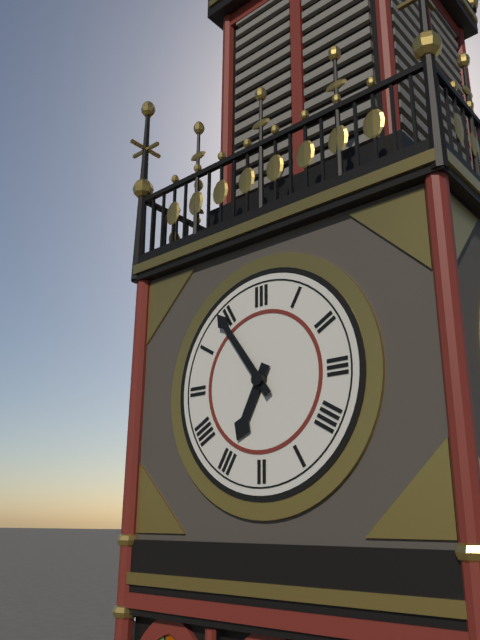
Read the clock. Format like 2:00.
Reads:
6:54
